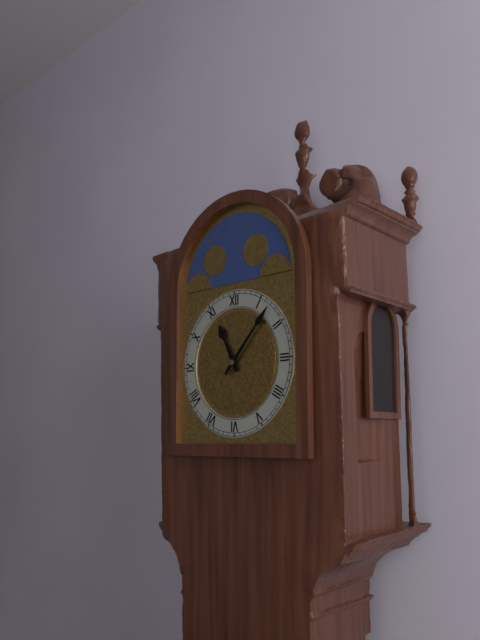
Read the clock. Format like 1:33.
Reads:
11:07
